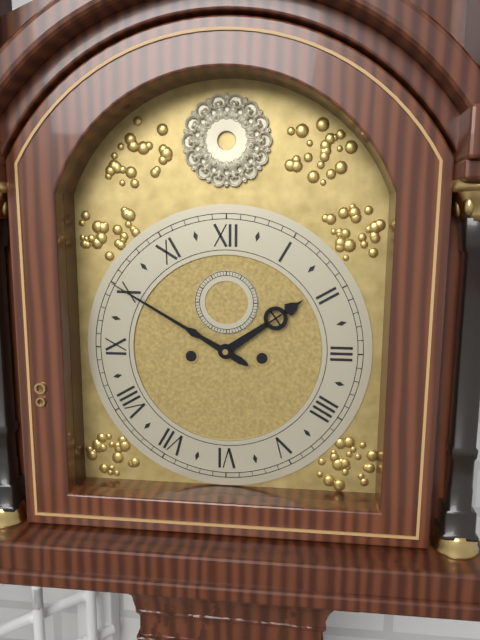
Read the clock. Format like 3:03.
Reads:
1:50
